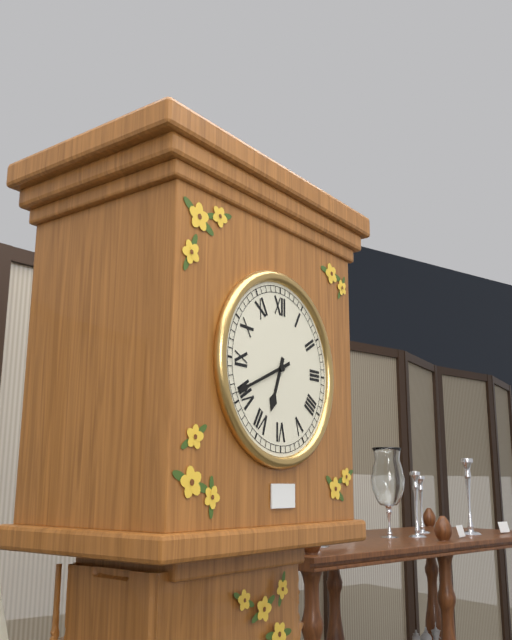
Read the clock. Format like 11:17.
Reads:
6:41
